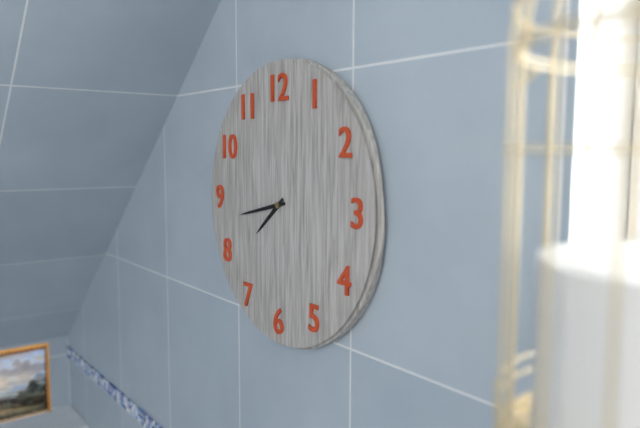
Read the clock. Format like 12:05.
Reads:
7:43
